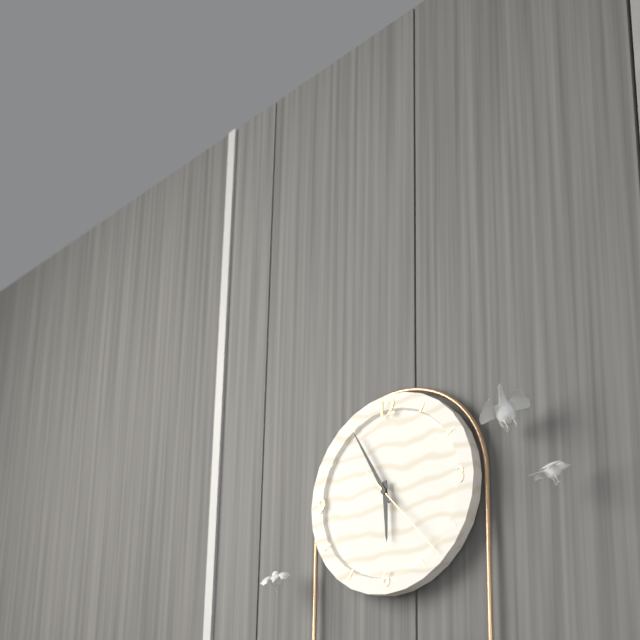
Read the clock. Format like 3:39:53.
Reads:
5:55:23
